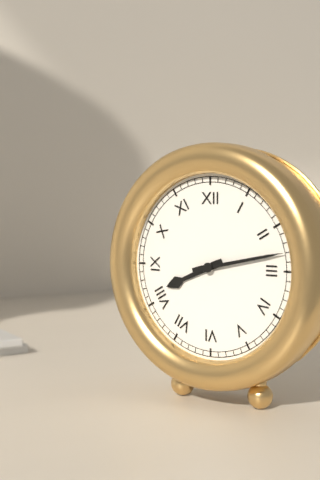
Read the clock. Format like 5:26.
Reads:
8:13
